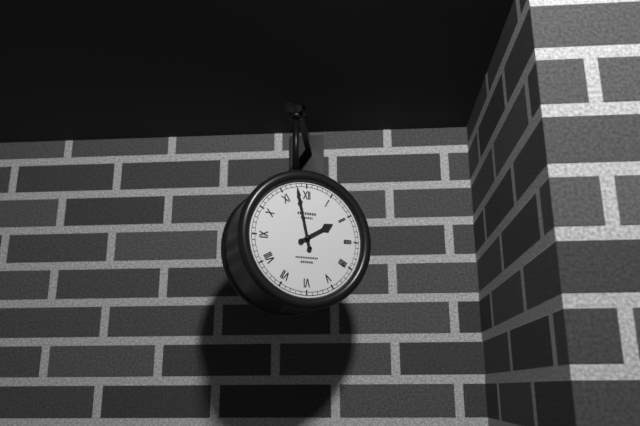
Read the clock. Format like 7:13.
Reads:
1:58
